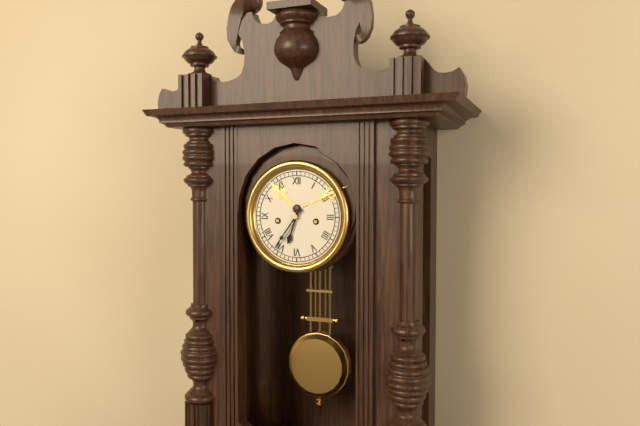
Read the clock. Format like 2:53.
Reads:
6:36
